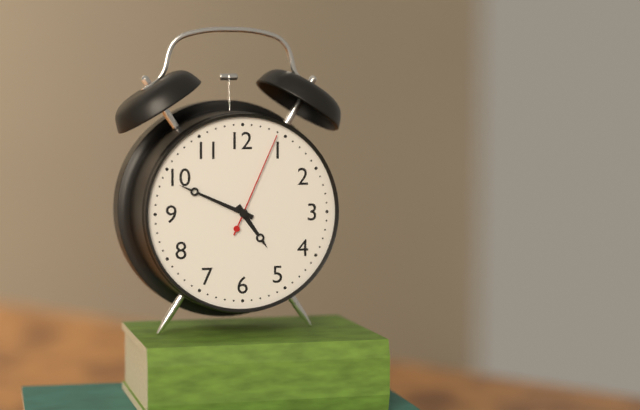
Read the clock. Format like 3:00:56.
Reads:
4:49:04
